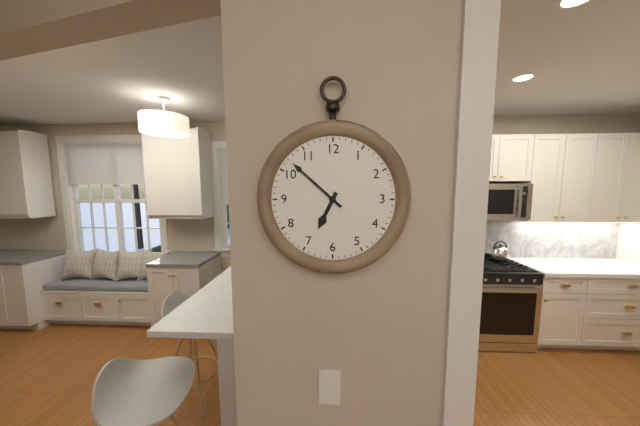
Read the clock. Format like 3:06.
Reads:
6:52
